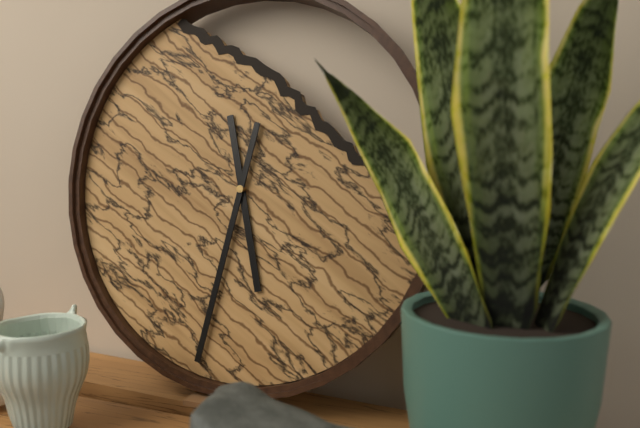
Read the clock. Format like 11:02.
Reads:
5:32
